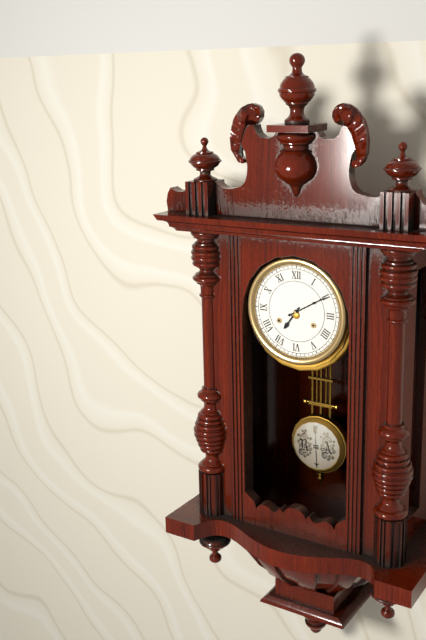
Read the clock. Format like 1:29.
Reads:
7:10
